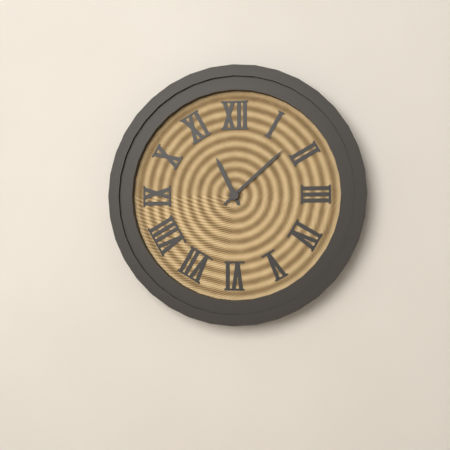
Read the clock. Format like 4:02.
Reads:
11:08
